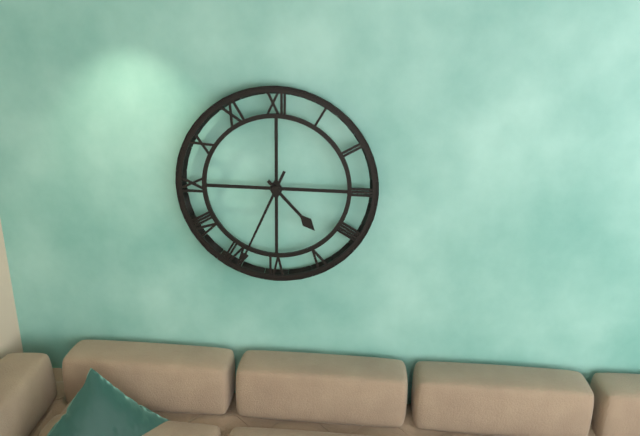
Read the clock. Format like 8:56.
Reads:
4:34
